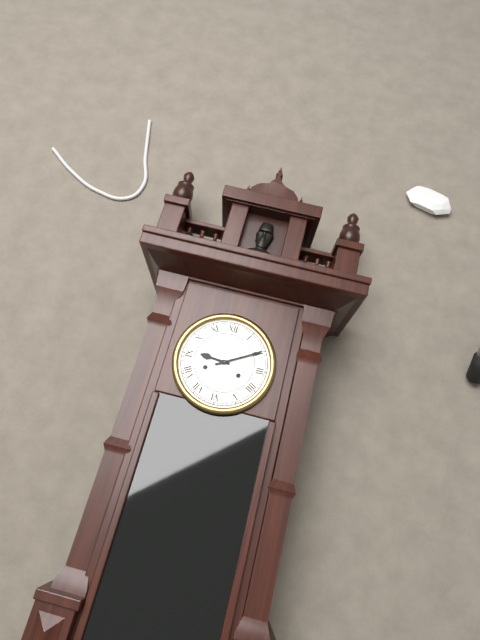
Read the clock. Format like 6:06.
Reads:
9:10
